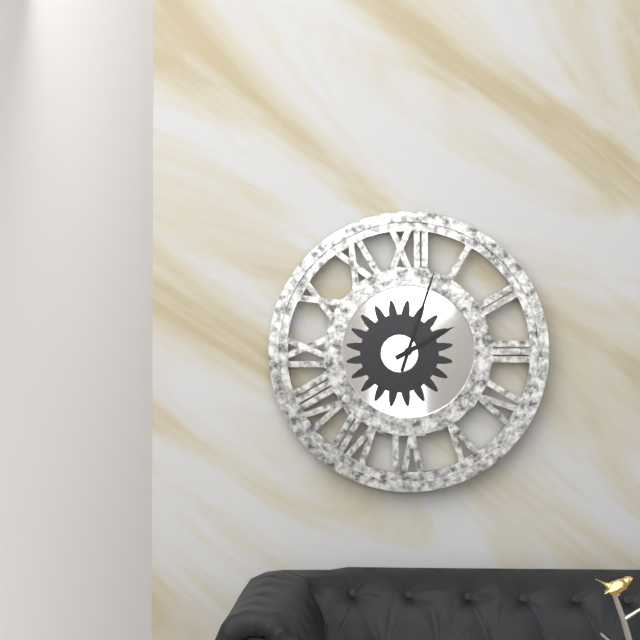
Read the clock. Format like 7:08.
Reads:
2:03
